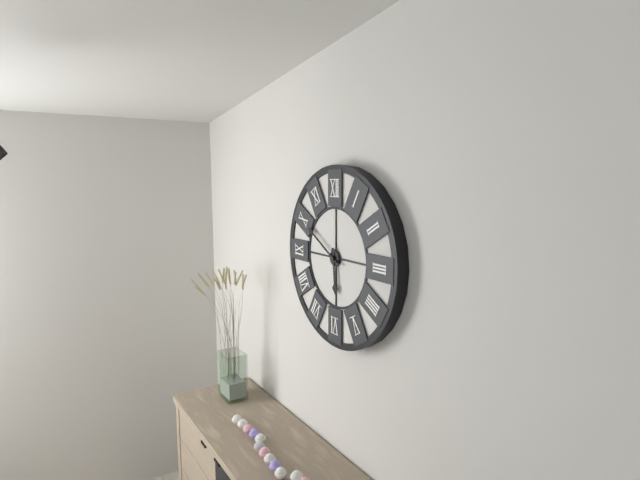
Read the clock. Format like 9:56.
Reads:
5:50
